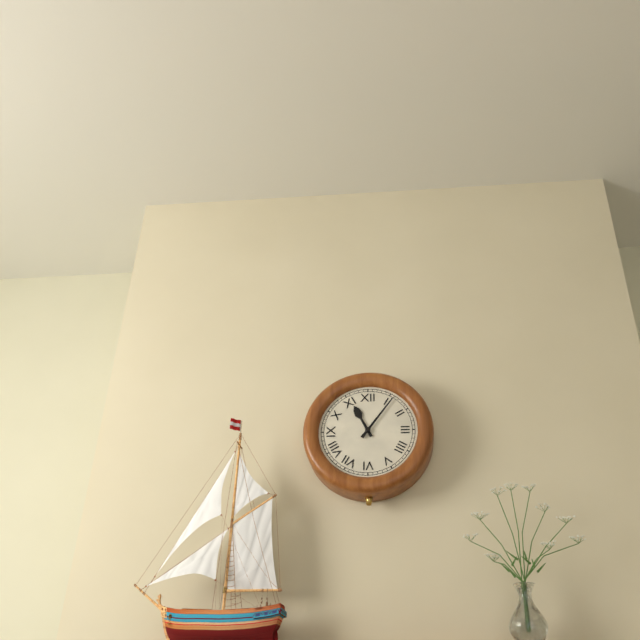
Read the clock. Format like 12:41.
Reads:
11:06
